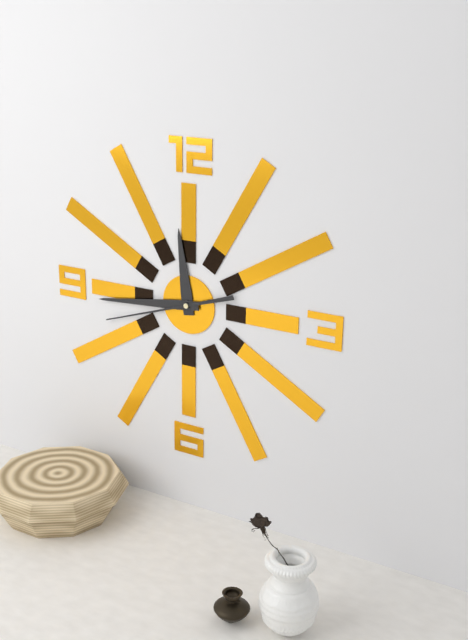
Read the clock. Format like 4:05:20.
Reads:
11:44:42
